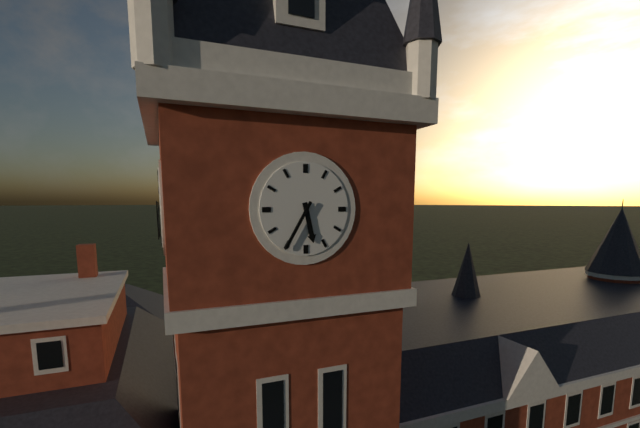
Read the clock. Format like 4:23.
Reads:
5:35
